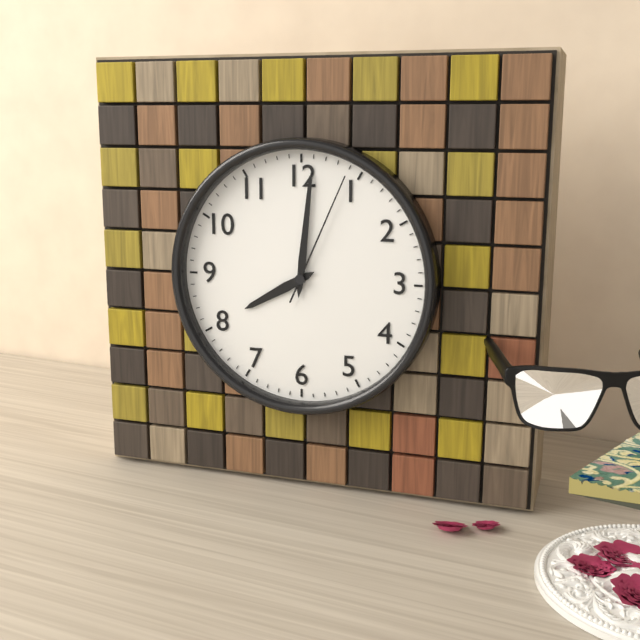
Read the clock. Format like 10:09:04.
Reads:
8:01:04
